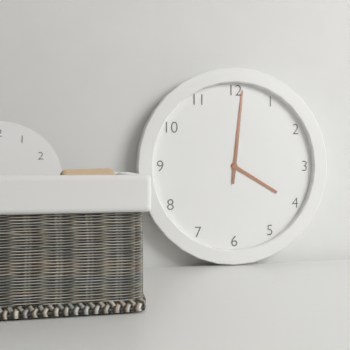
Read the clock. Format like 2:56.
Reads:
4:01
